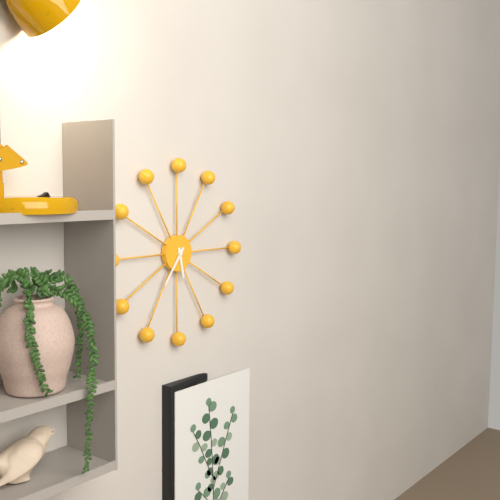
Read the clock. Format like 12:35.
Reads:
5:36
